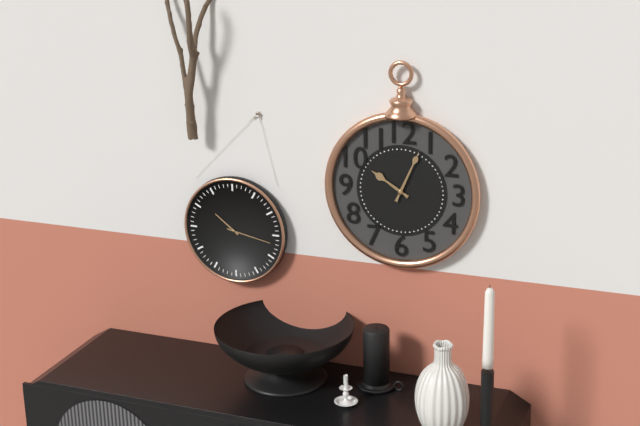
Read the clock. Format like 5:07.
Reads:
10:04
